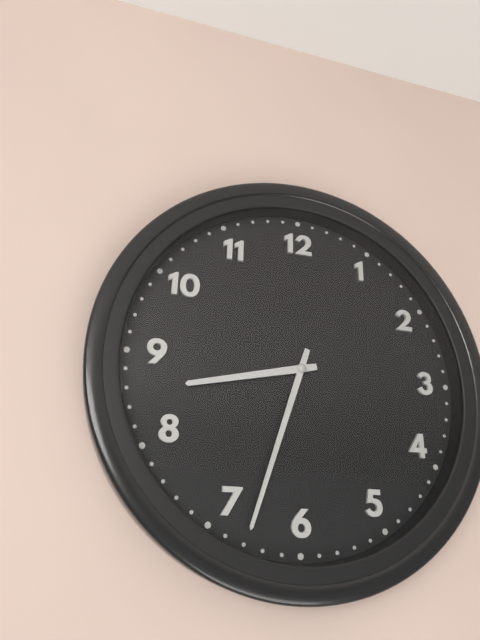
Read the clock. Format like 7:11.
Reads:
8:33
